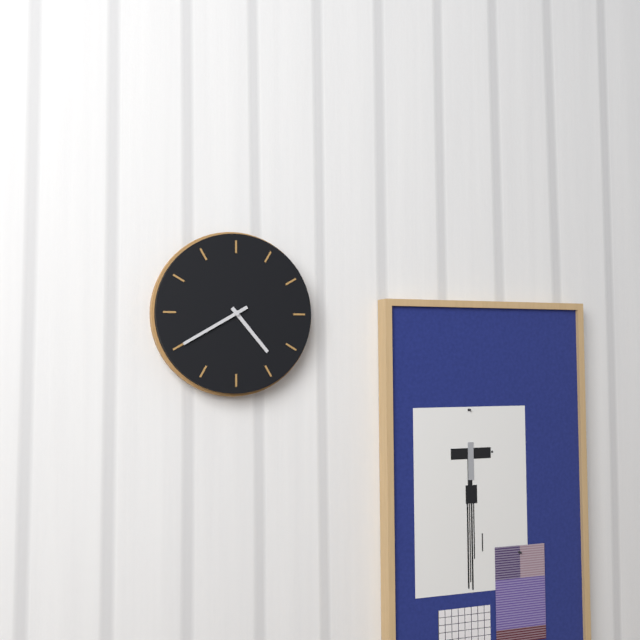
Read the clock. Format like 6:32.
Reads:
4:40
